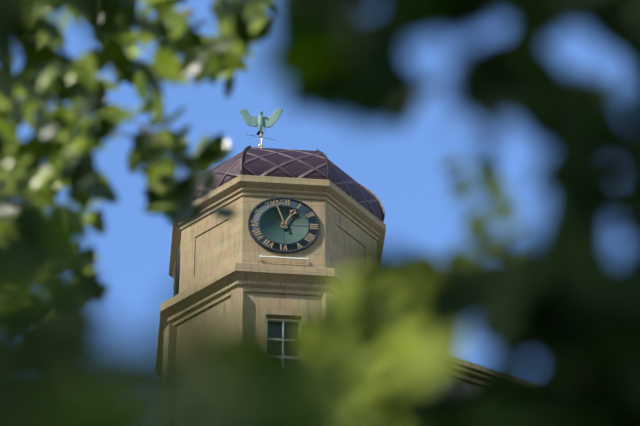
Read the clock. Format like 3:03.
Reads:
12:57
